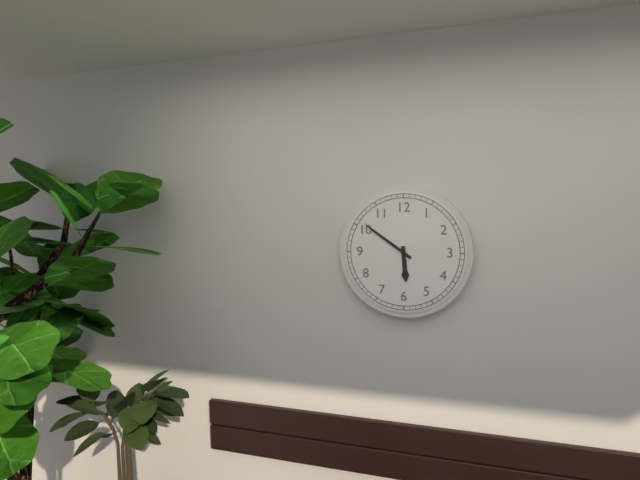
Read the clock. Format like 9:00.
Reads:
5:51
